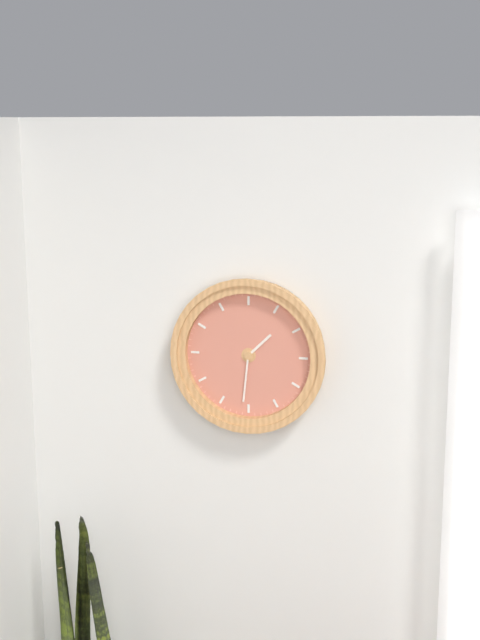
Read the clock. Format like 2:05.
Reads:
1:31
